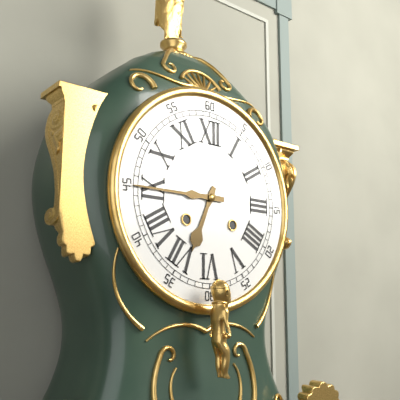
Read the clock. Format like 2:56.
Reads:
6:45
